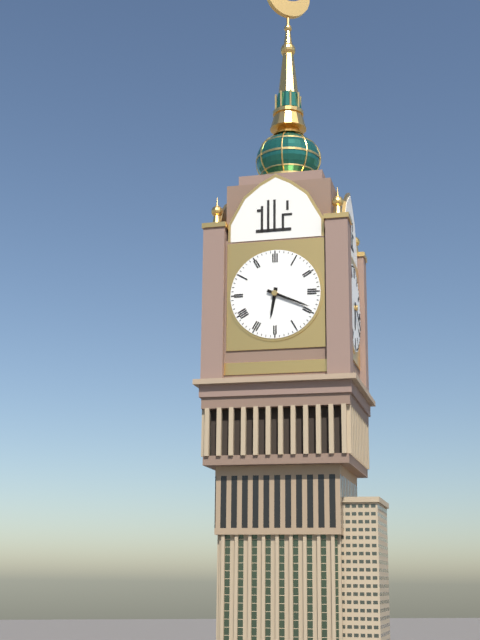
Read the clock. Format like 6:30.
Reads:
6:19
